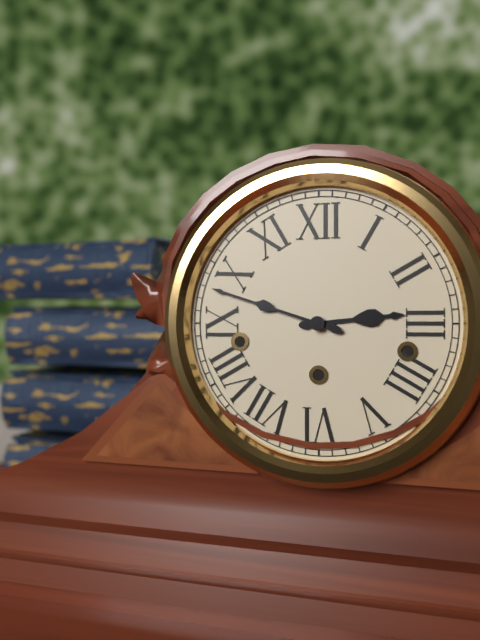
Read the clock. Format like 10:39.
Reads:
2:48
